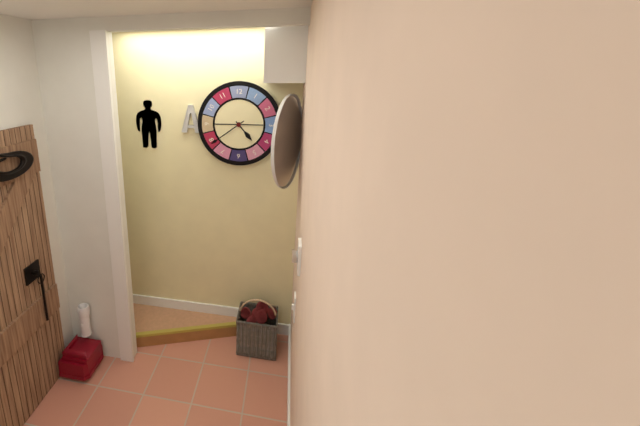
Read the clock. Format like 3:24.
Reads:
4:39
